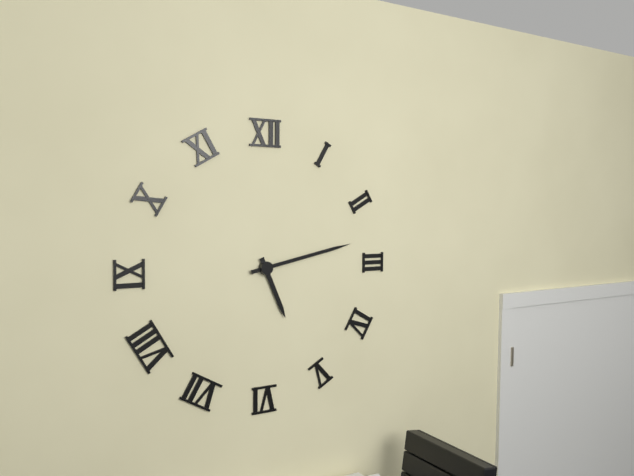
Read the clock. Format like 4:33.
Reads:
5:13
